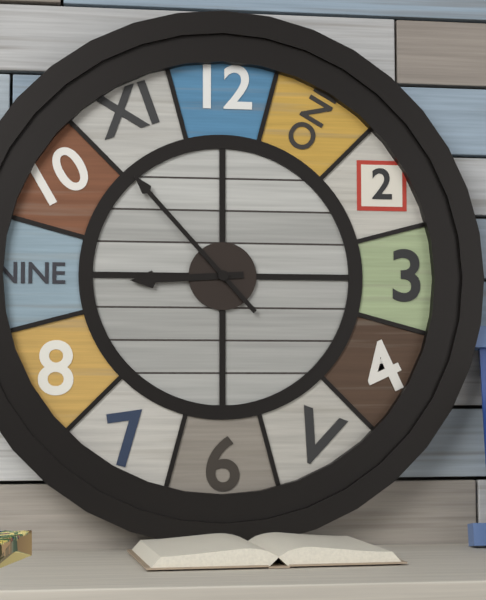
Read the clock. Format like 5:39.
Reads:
8:53
